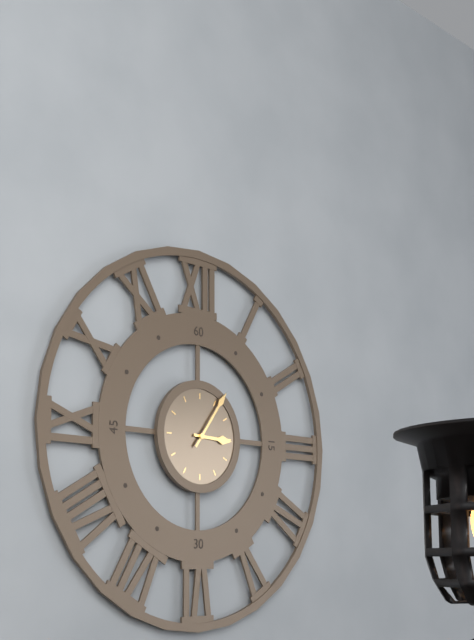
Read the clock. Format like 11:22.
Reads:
3:06
